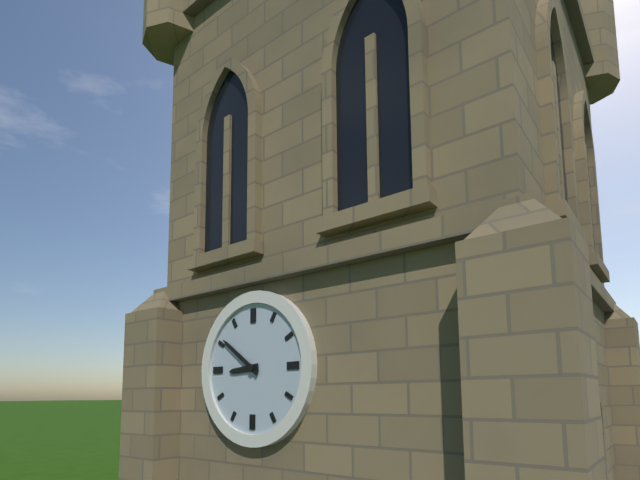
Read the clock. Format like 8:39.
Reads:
8:51
